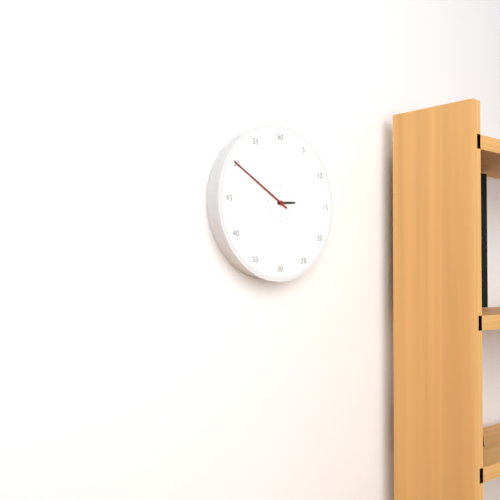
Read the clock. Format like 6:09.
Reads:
2:50
